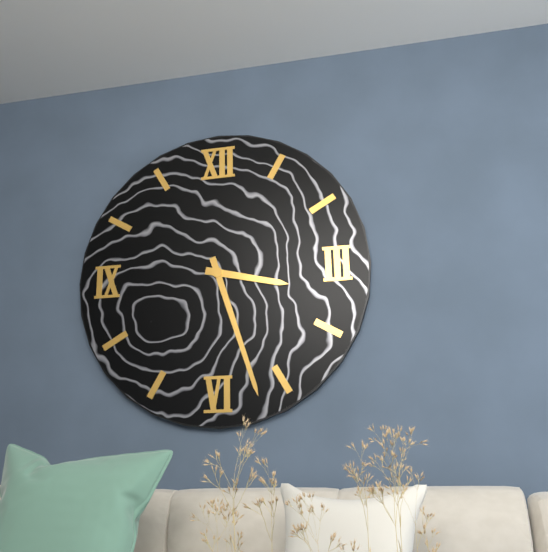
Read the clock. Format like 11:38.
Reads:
3:27
